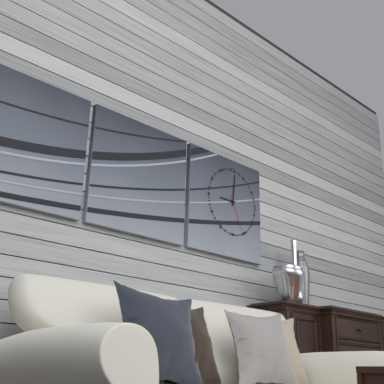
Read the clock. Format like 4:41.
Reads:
9:01
